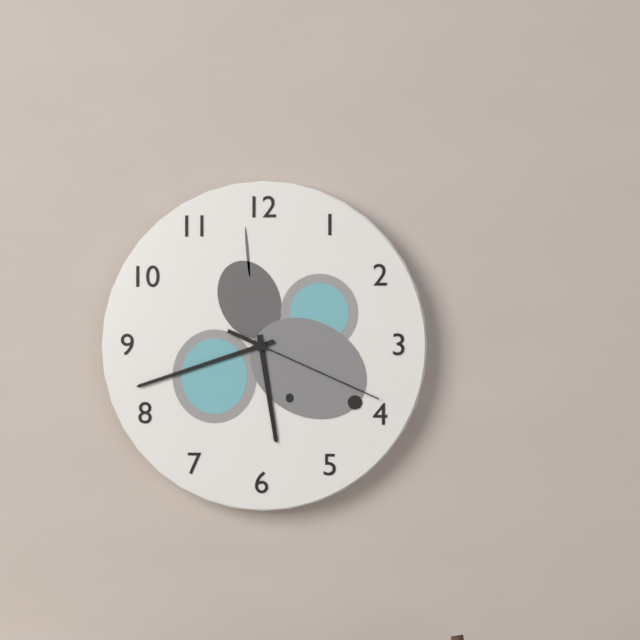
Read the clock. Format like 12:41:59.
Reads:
5:42:19
